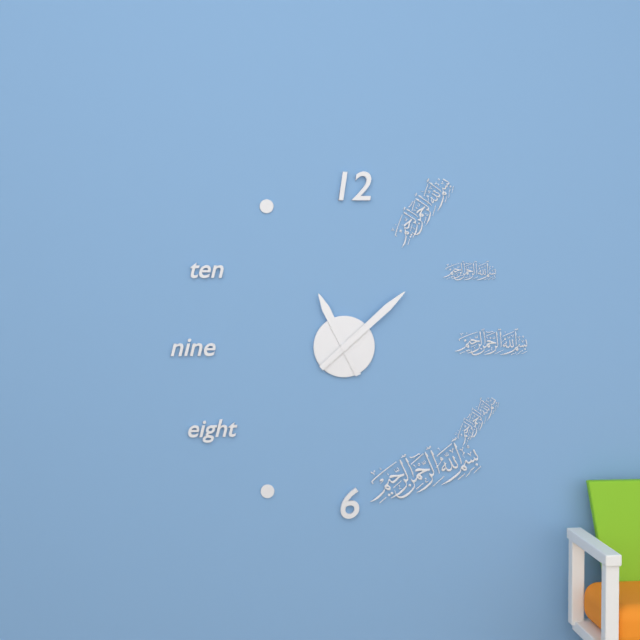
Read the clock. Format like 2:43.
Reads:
11:08
